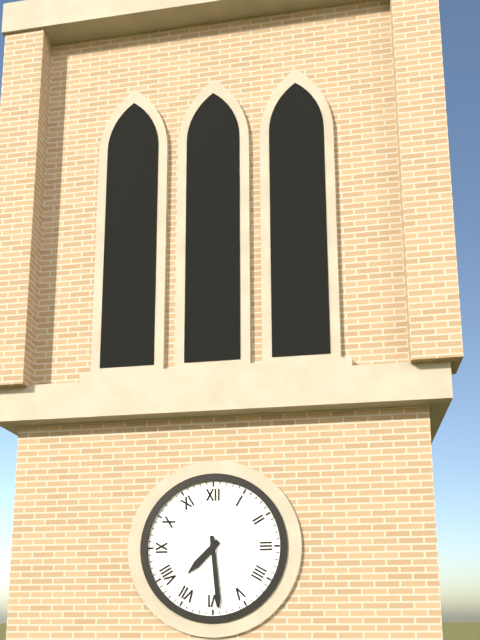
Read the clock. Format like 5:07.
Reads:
7:29
